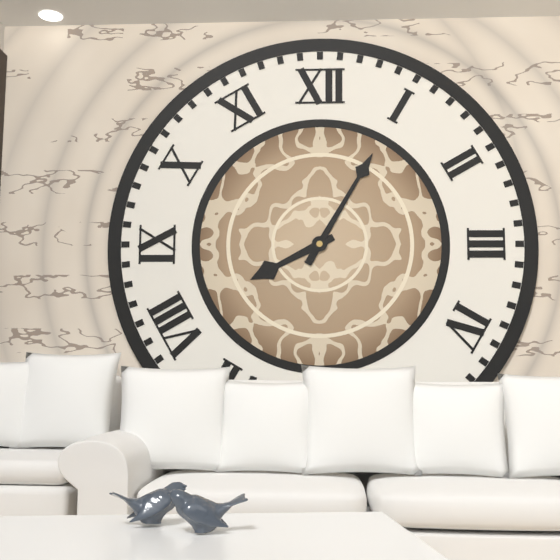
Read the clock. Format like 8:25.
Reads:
8:05
